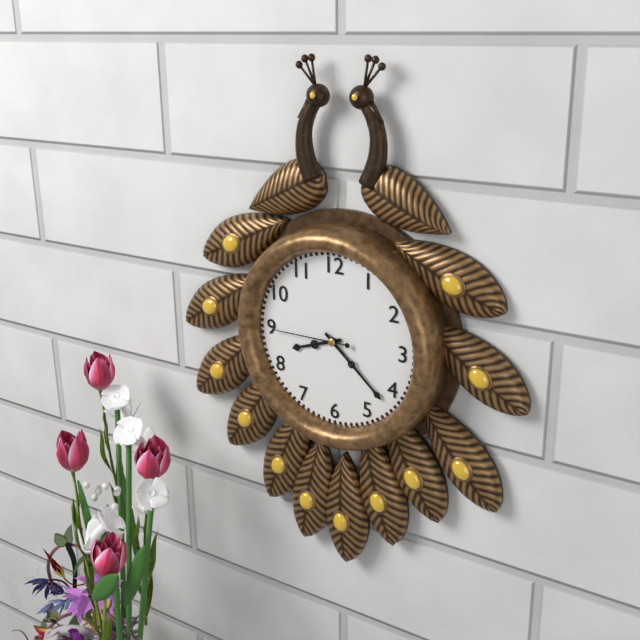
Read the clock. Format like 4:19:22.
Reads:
8:22:45
